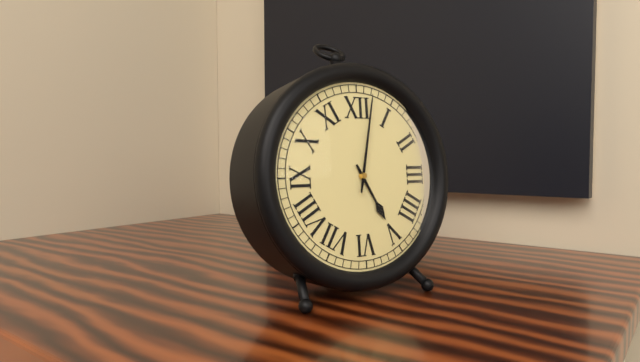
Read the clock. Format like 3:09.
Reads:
5:02
